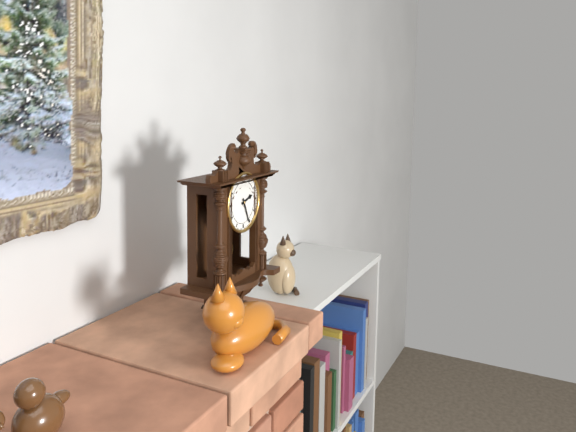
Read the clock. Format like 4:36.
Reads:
2:26
